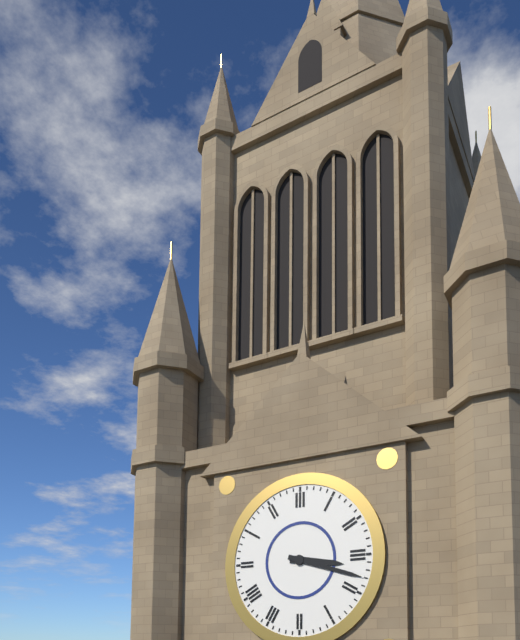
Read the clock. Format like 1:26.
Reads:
3:18
